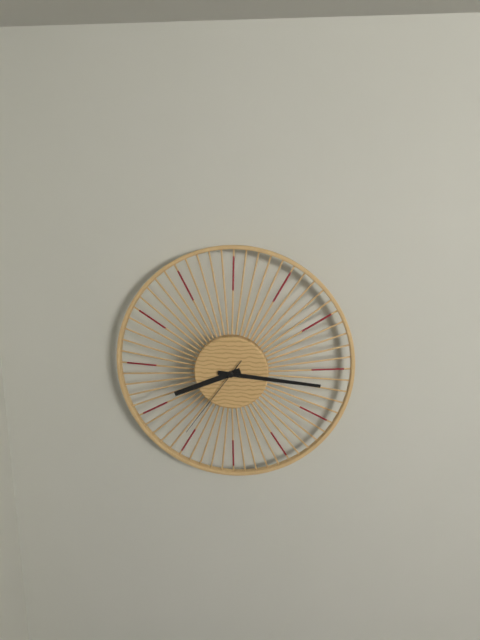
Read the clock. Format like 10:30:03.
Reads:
8:16:36
